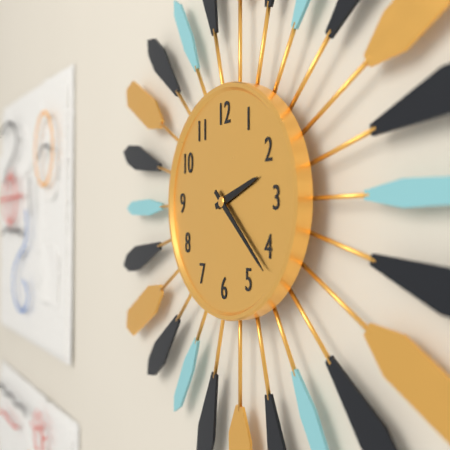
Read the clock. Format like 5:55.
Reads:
2:22
